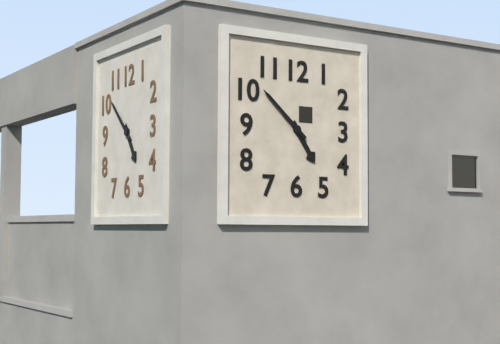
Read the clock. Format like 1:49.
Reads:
4:52
